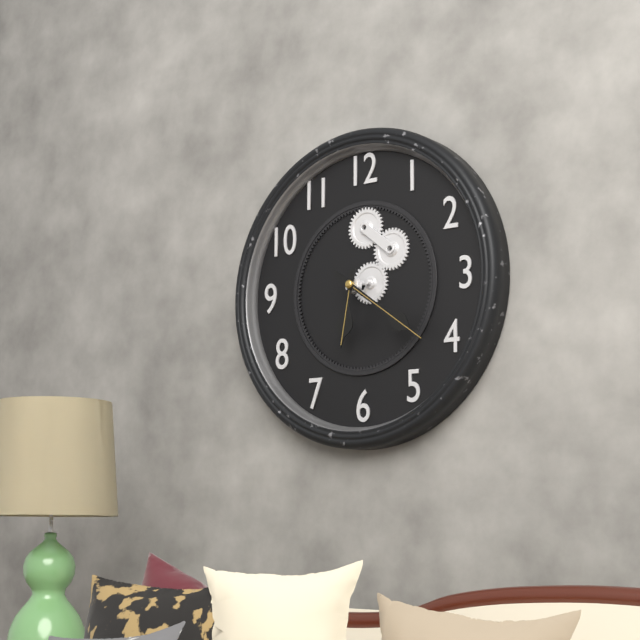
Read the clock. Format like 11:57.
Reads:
6:21
